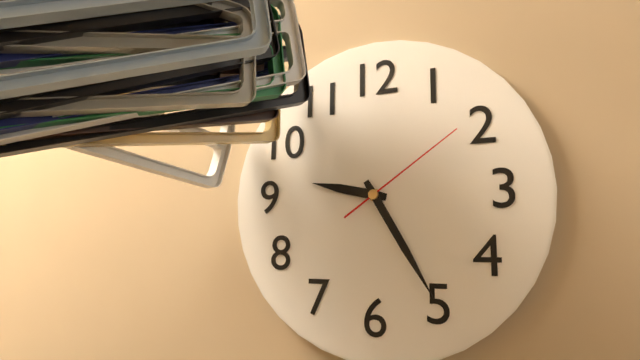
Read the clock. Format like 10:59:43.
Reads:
9:25:09
